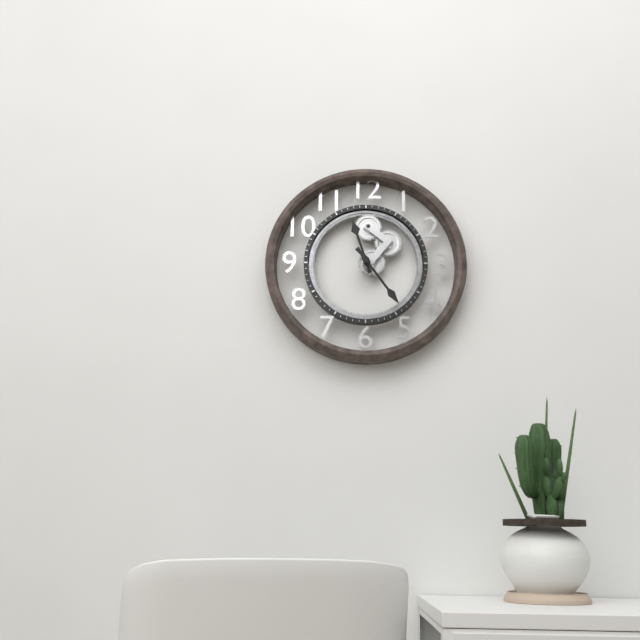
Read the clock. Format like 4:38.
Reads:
11:24
